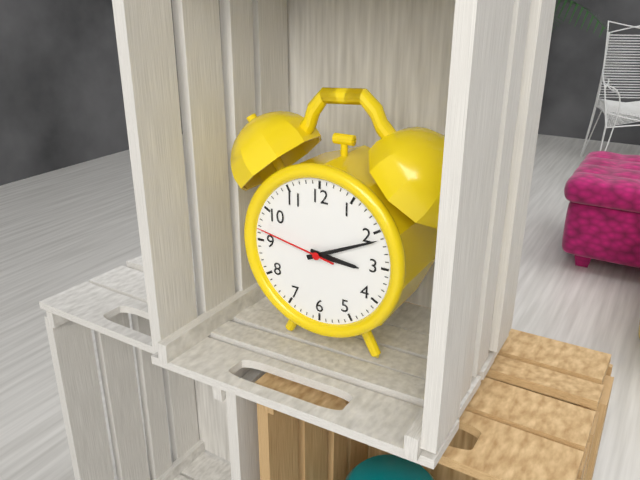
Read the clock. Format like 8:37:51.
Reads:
3:11:47
